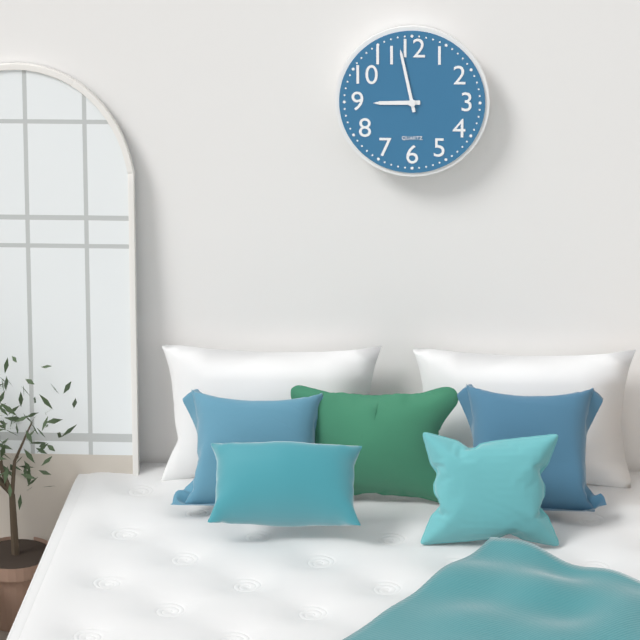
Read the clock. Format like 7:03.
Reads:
8:58
